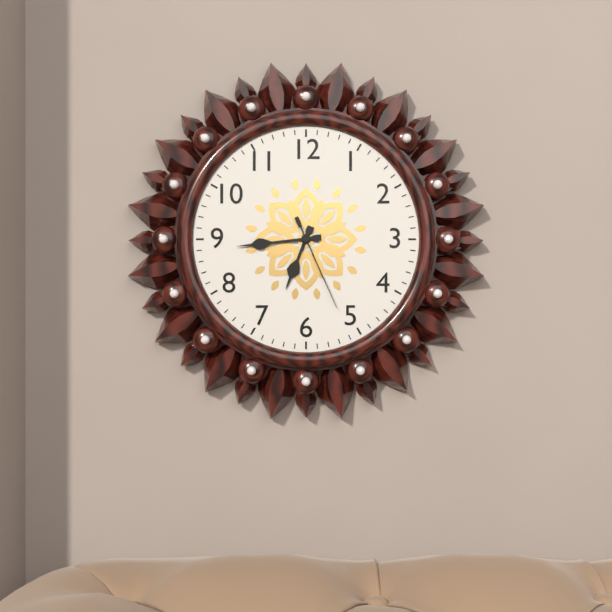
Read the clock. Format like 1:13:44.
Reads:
6:44:26
